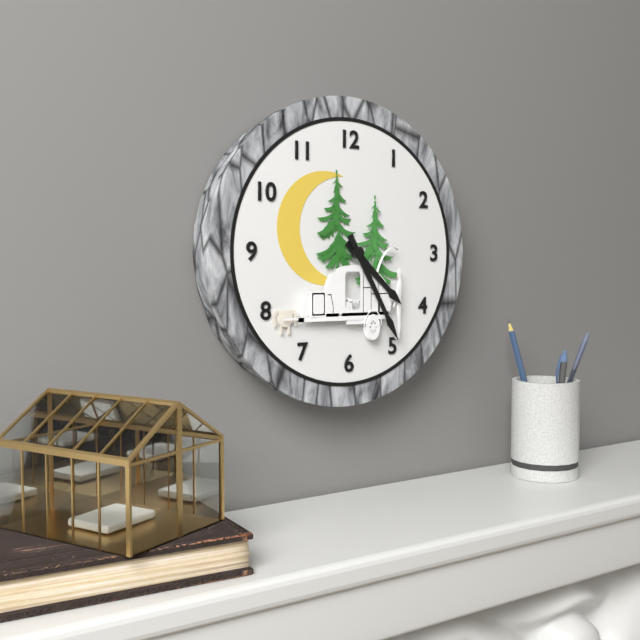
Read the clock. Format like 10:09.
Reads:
4:25
